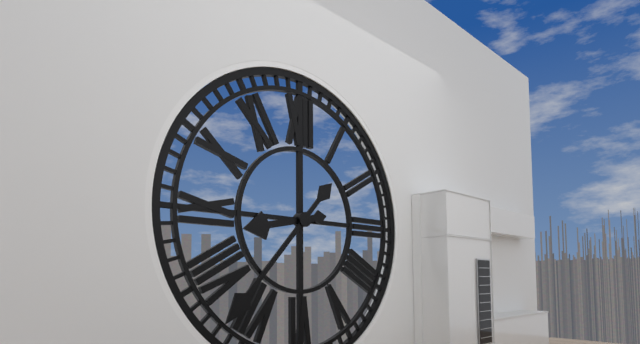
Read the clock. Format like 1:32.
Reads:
8:37
